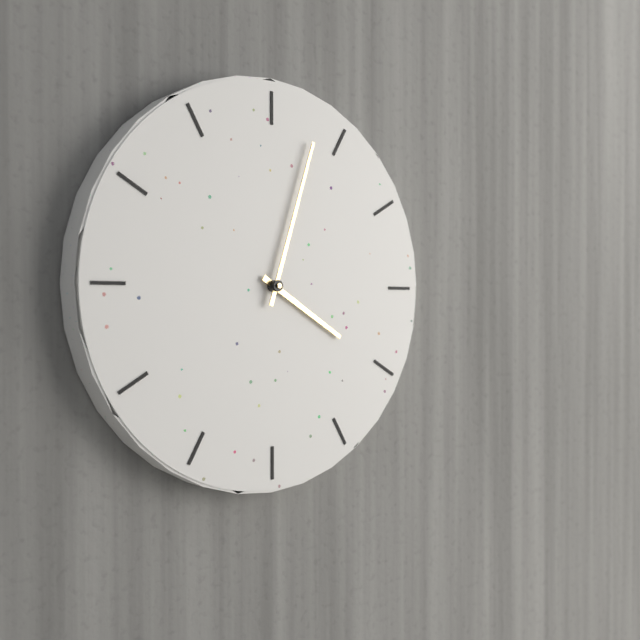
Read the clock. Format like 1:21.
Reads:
4:03
